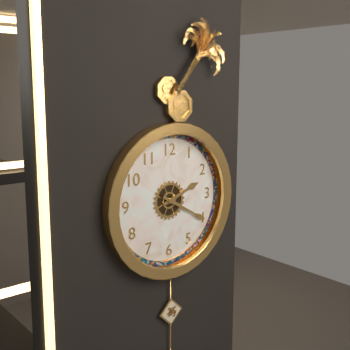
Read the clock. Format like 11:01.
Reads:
2:20
